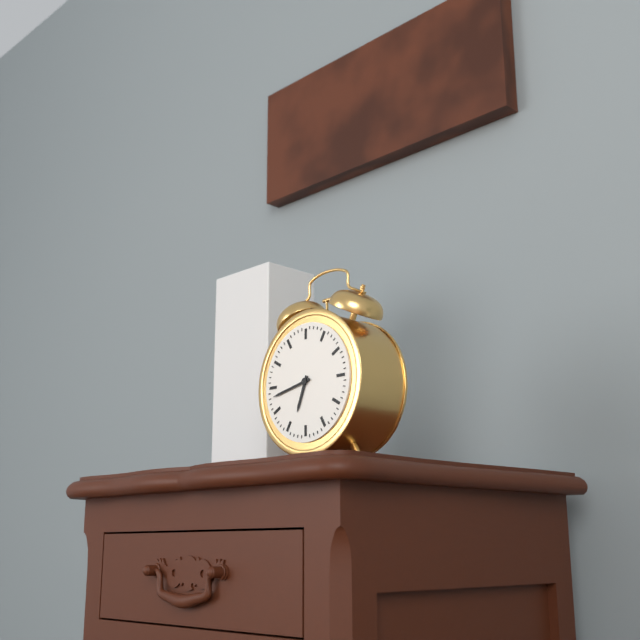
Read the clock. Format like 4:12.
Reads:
6:43
